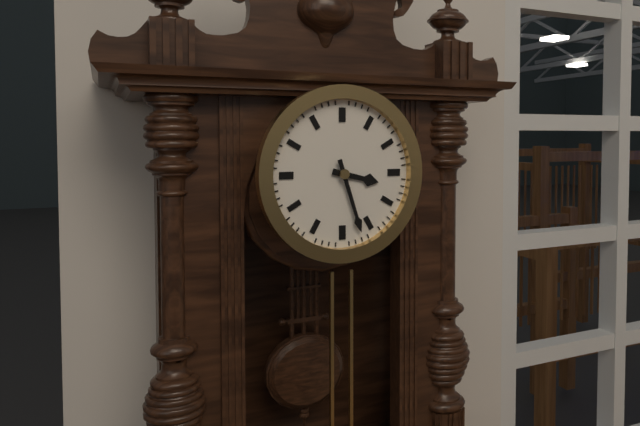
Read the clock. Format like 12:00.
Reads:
3:27
